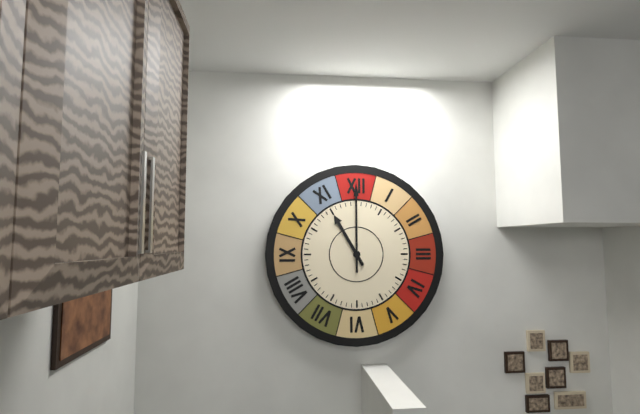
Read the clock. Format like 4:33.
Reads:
11:00
